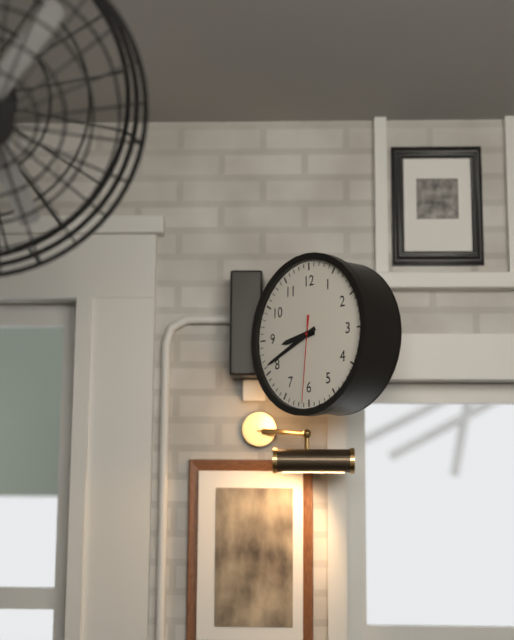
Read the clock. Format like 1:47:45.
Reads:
8:41:31
